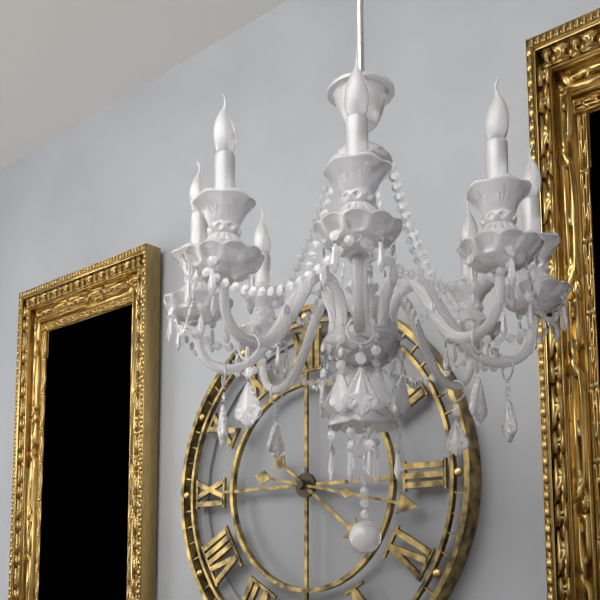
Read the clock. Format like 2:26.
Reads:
4:17
